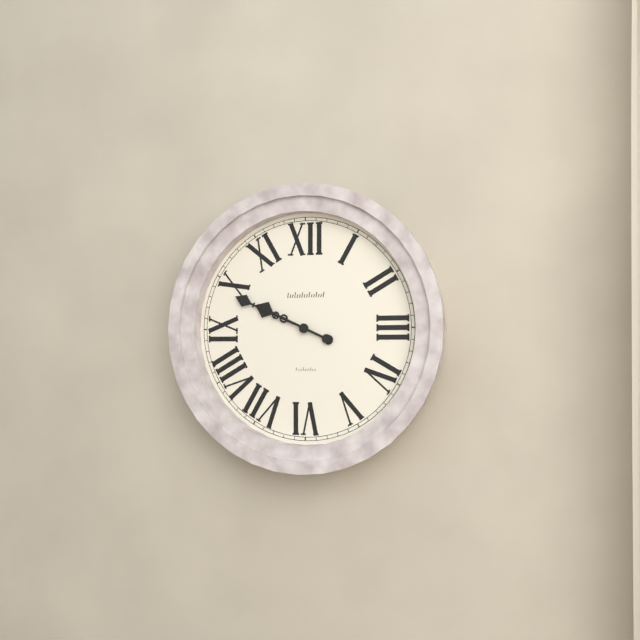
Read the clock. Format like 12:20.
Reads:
9:49
